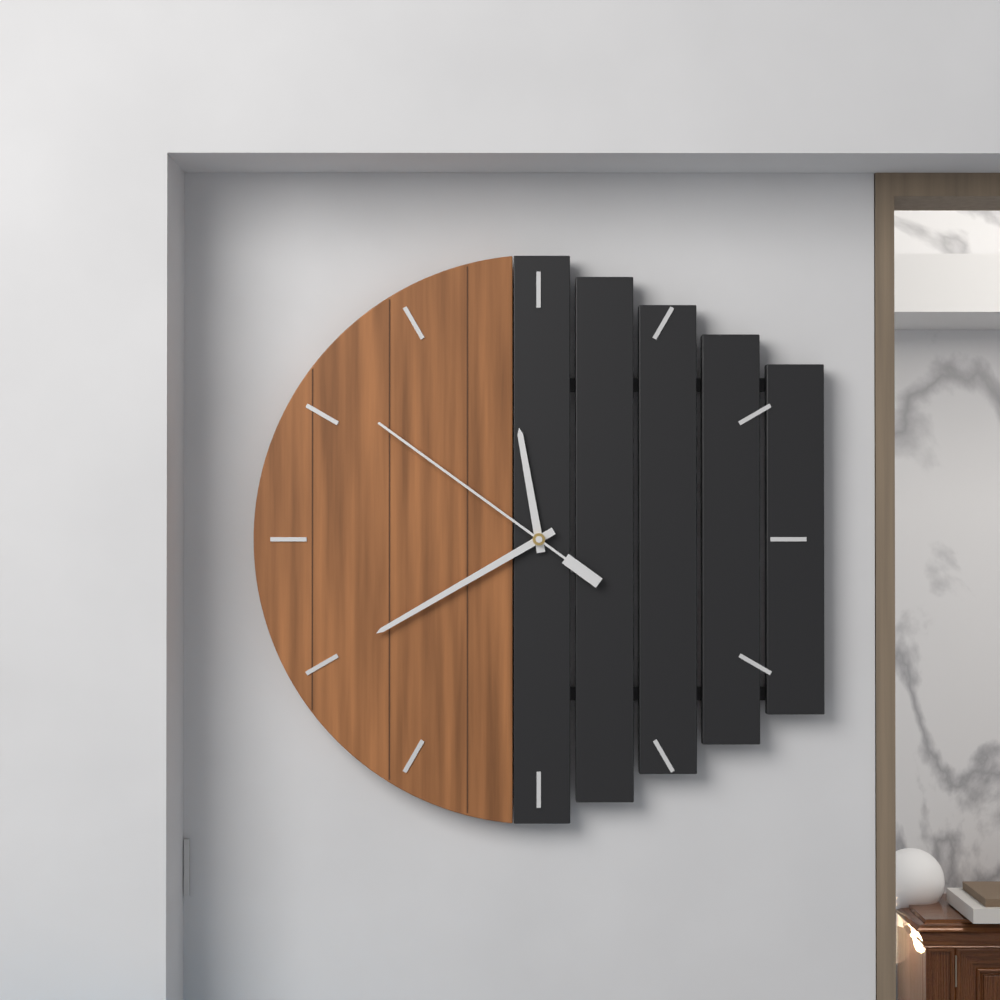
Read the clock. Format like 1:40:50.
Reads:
11:40:51
